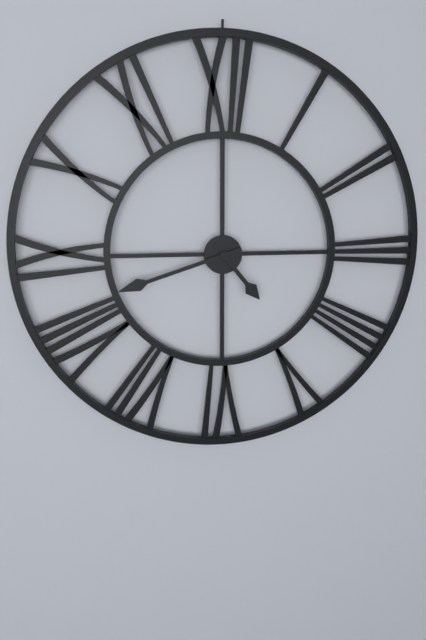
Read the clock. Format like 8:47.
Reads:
4:42
